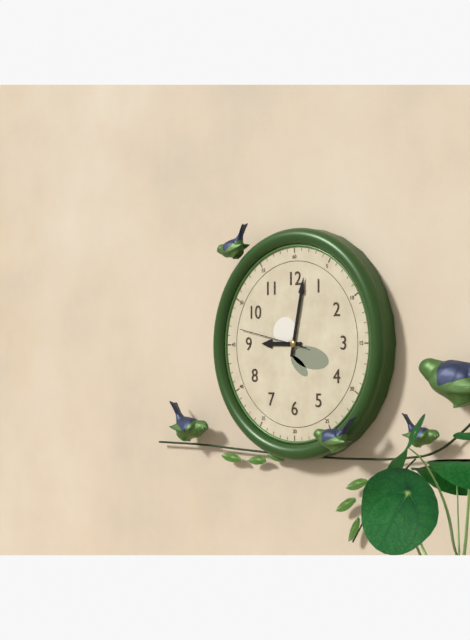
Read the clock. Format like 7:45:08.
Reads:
9:02:47
